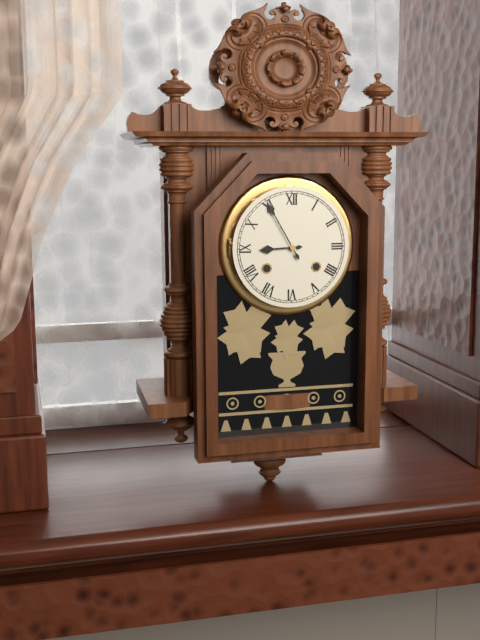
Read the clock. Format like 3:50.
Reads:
8:55
